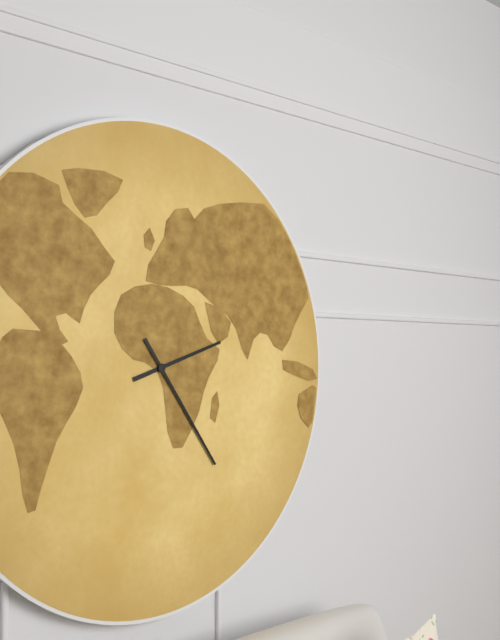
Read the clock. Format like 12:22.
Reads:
2:24
